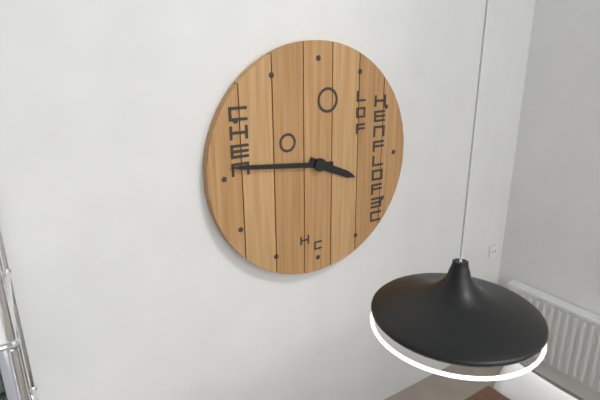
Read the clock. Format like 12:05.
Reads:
3:46
